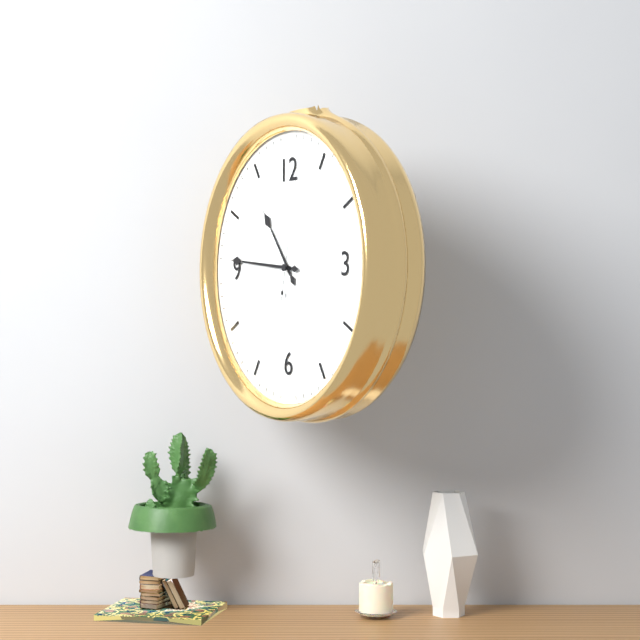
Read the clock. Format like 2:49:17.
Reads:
10:46:02
